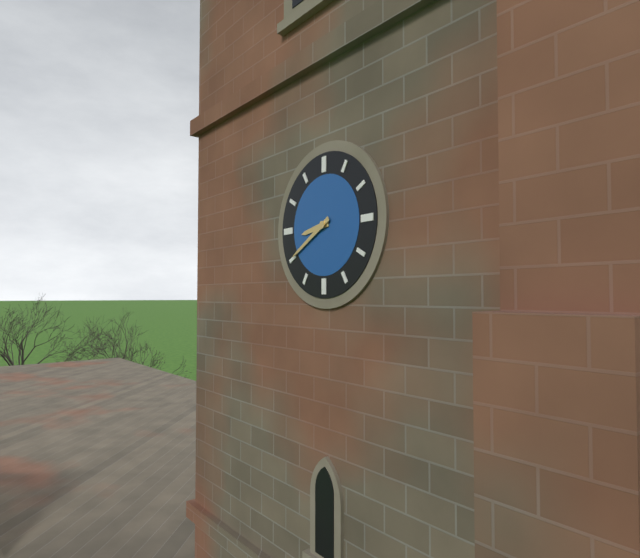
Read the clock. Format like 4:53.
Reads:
8:40
